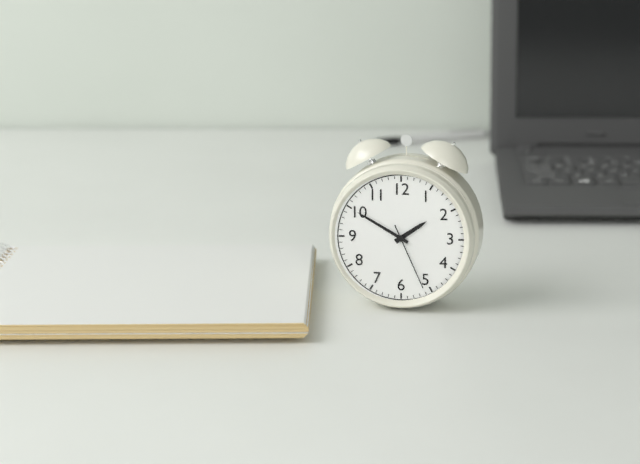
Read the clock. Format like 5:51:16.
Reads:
1:50:26
